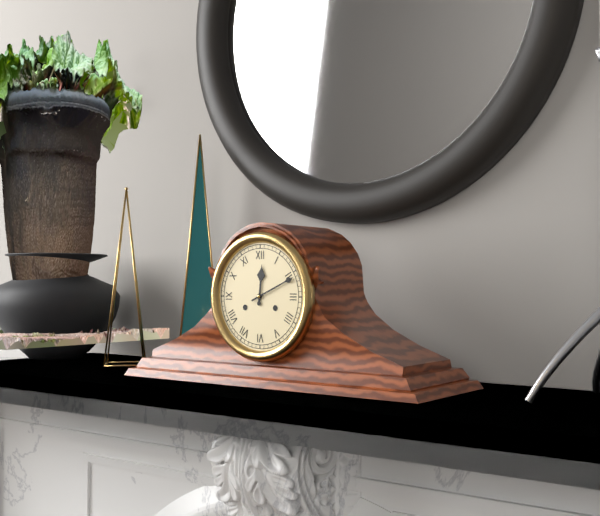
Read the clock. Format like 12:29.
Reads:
12:11
